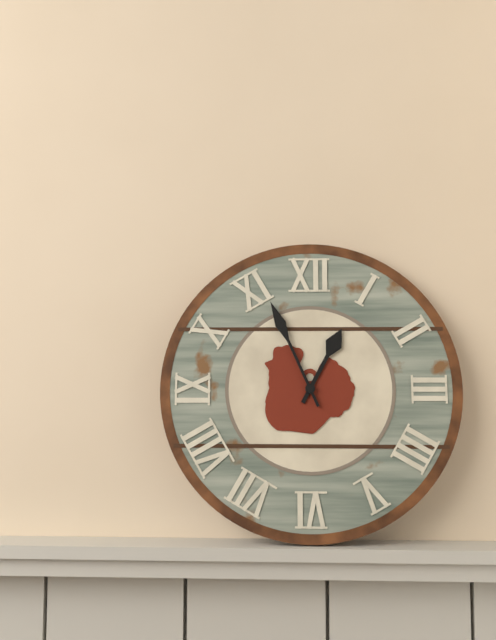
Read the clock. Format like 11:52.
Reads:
12:56
